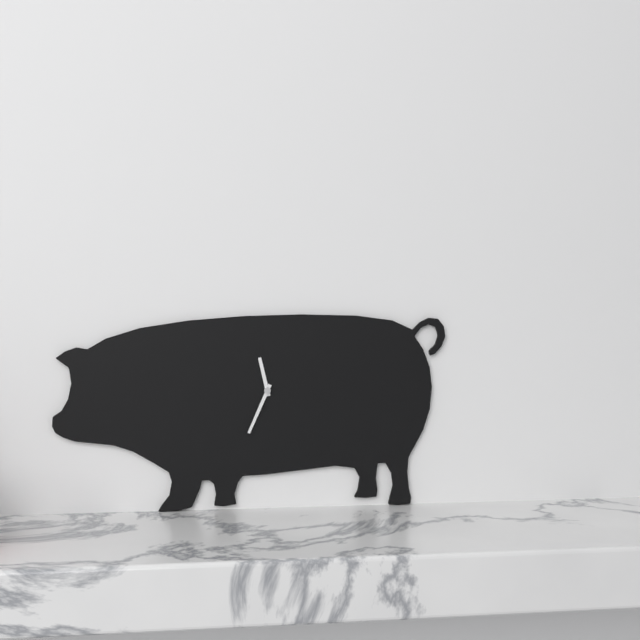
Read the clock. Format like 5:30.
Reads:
11:34
